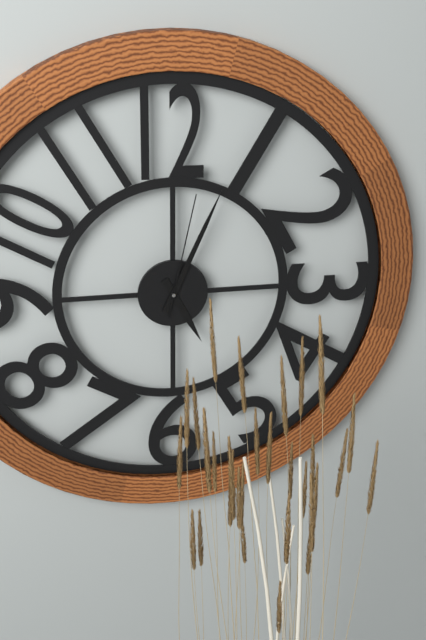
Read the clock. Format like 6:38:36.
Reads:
5:04:02
